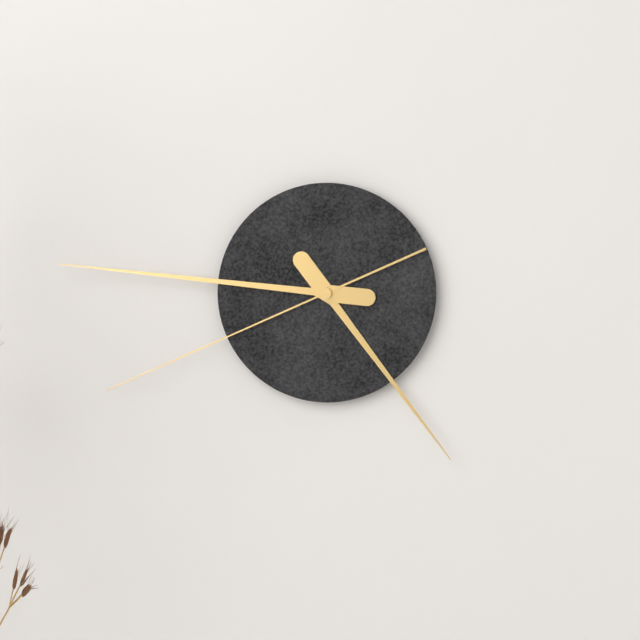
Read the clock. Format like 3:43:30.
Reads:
4:46:41
